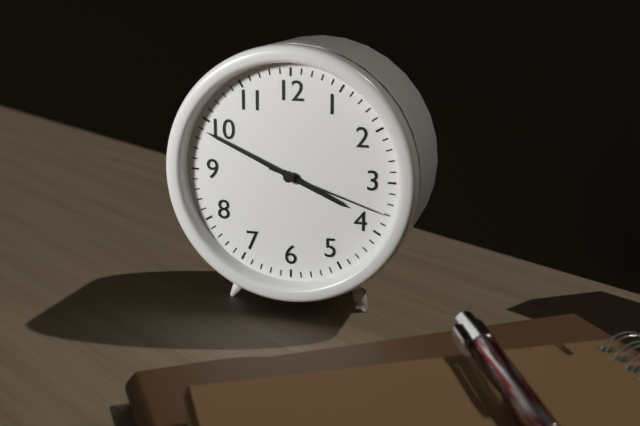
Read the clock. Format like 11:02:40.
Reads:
3:49:18
